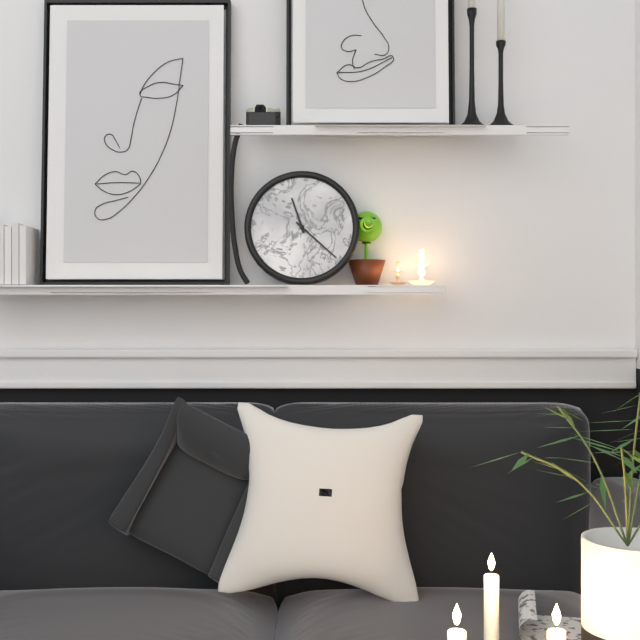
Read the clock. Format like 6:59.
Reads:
11:22
